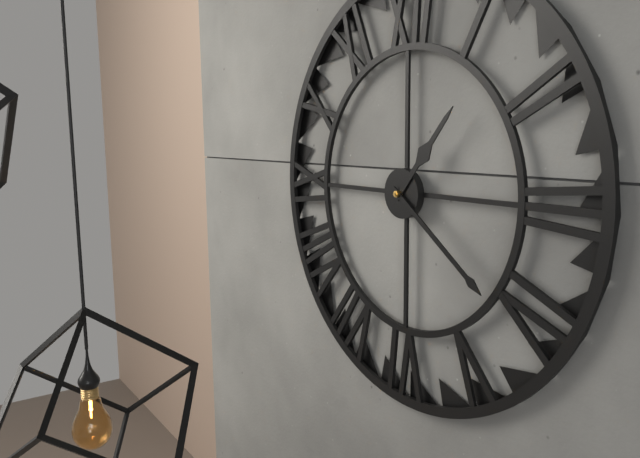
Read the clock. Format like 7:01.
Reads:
1:21
